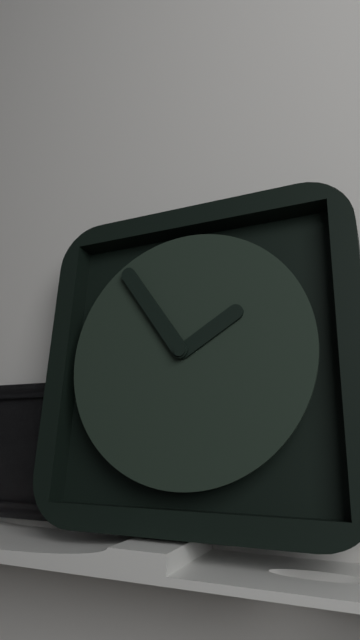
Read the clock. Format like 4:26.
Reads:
1:54
